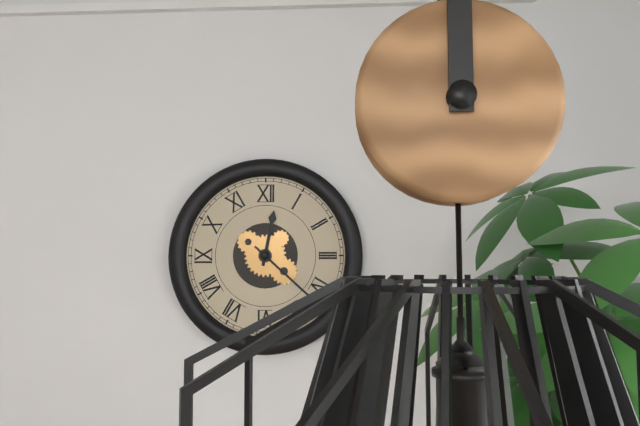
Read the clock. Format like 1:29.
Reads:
12:22
